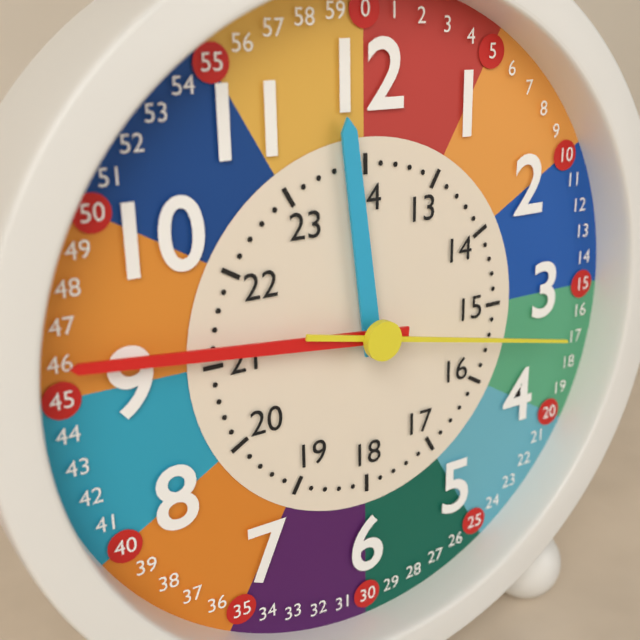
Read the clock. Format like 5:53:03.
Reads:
11:46:17
